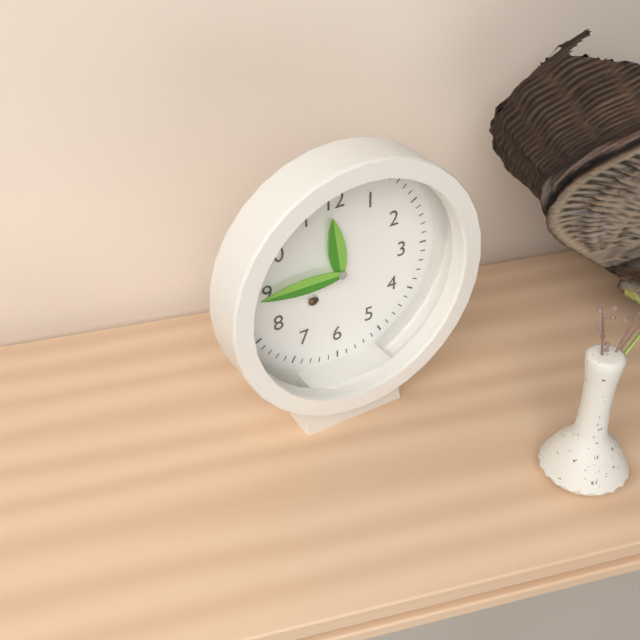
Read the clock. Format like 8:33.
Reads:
11:45
